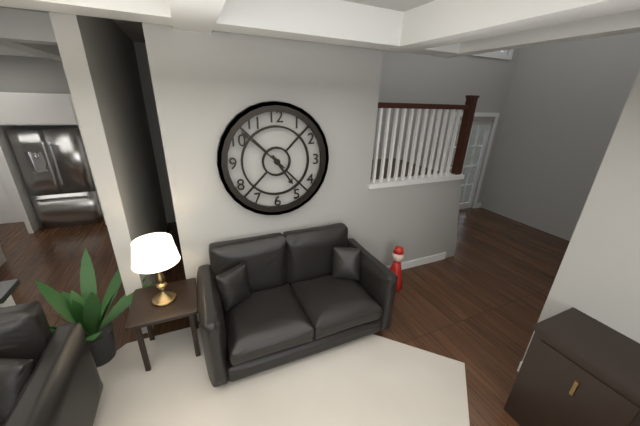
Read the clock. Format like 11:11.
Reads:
4:52
